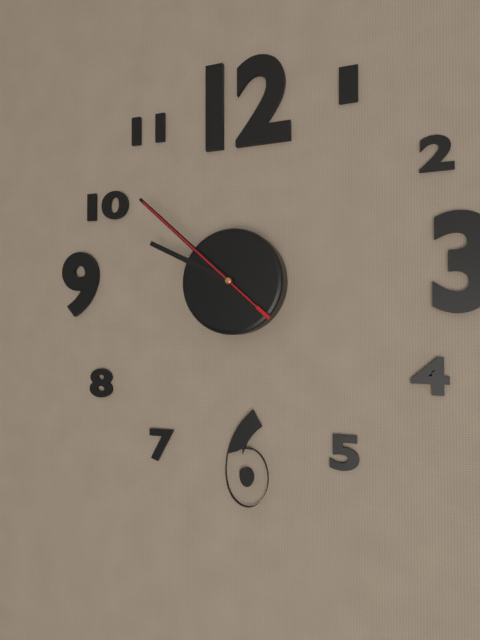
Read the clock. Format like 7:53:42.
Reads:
9:52:52
